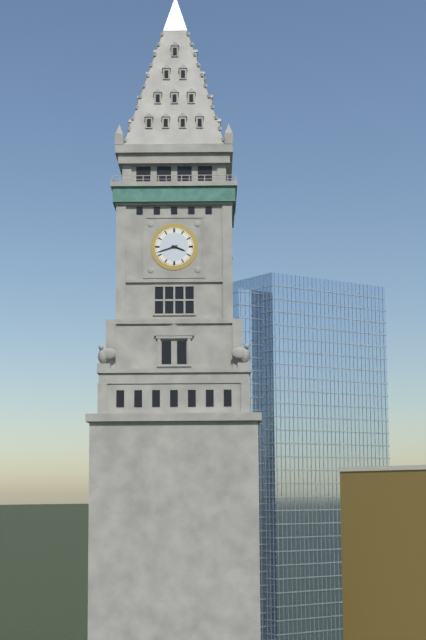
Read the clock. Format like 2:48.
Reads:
3:42
